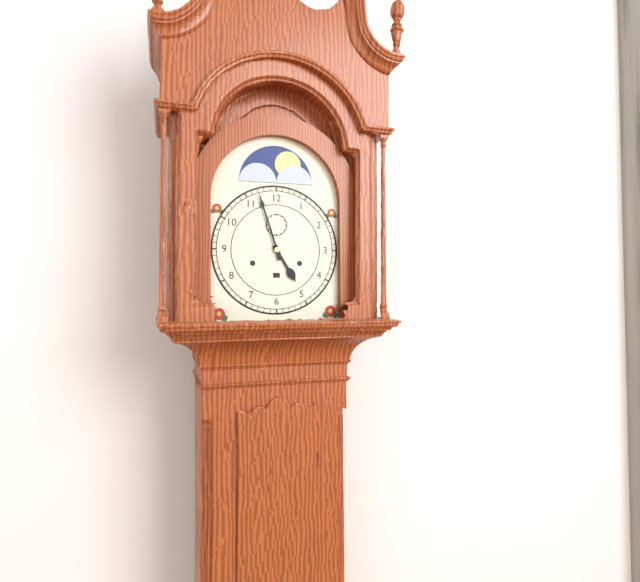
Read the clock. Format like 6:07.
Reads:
4:57
